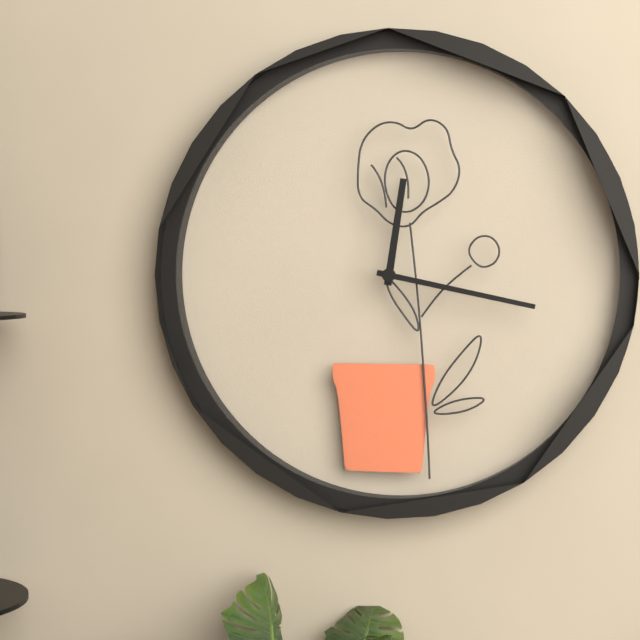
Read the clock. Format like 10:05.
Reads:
12:17
